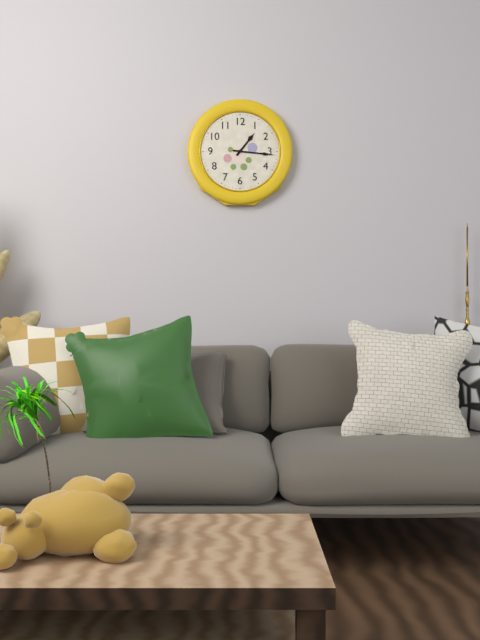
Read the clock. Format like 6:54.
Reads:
1:16
